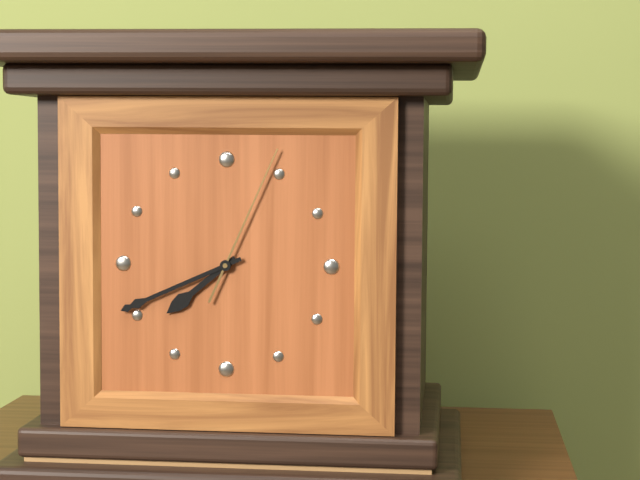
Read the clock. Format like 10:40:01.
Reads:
7:41:04
